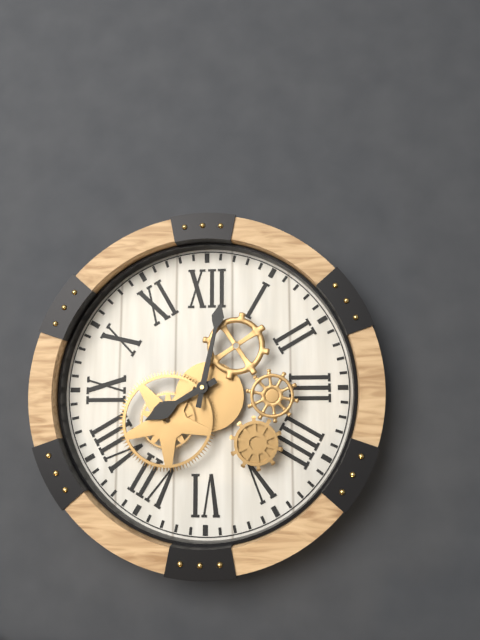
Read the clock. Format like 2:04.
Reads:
8:02
